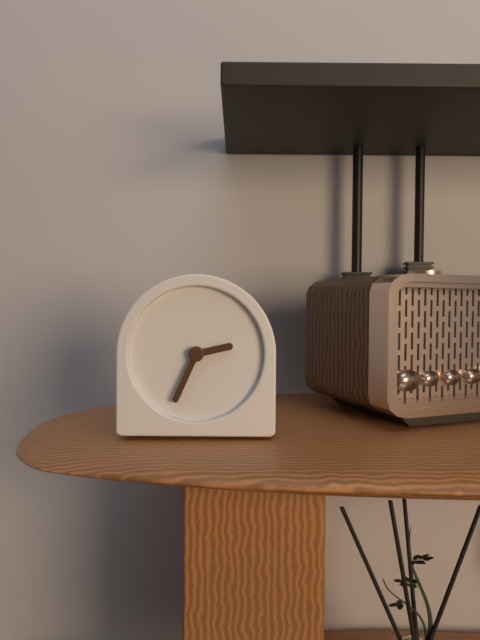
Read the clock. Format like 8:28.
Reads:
2:34
